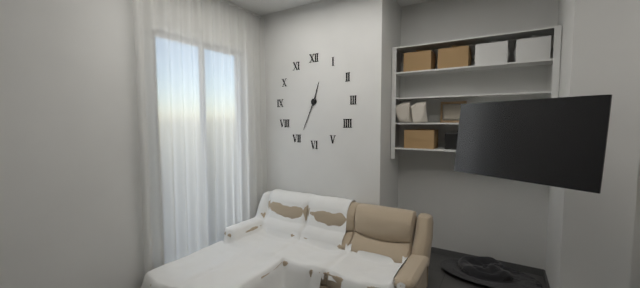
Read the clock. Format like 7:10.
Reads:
12:34
